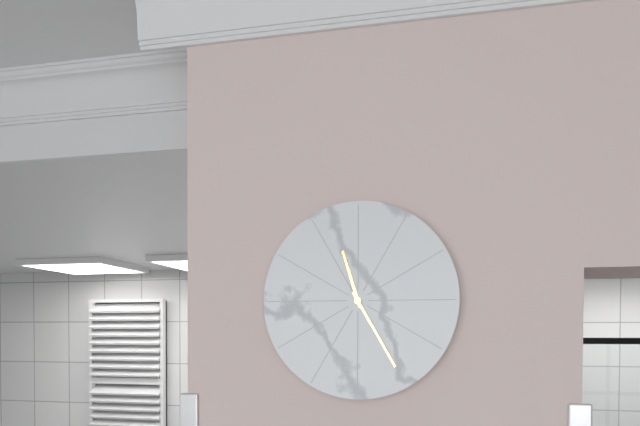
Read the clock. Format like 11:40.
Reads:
11:25
